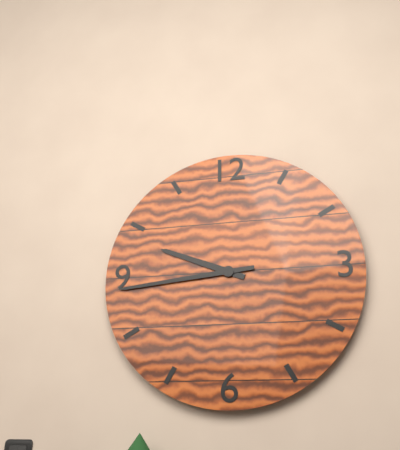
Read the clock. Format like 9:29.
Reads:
9:44
